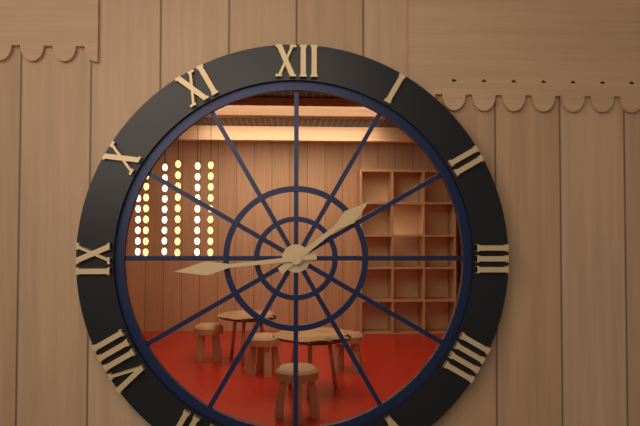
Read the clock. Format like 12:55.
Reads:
1:44
